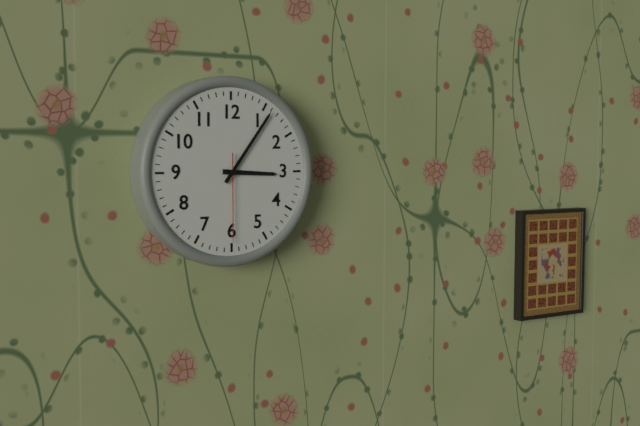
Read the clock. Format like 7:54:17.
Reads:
3:06:30
